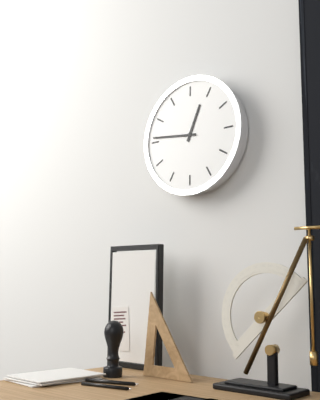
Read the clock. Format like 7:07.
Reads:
12:46
